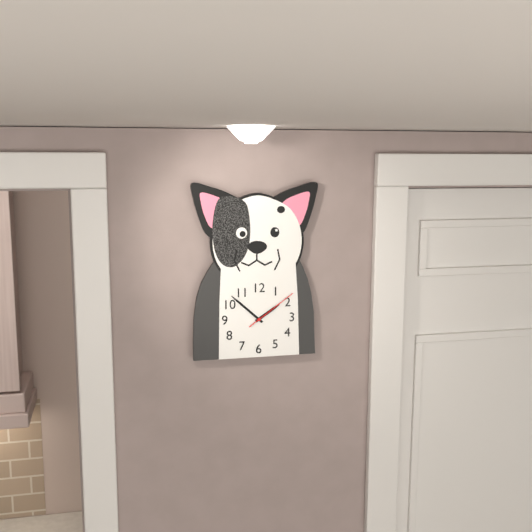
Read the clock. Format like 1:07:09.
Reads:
1:52:09
